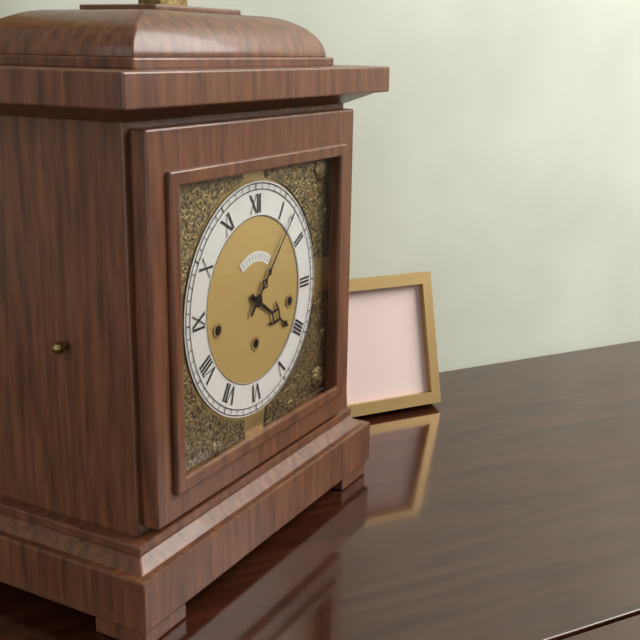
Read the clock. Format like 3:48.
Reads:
4:07
